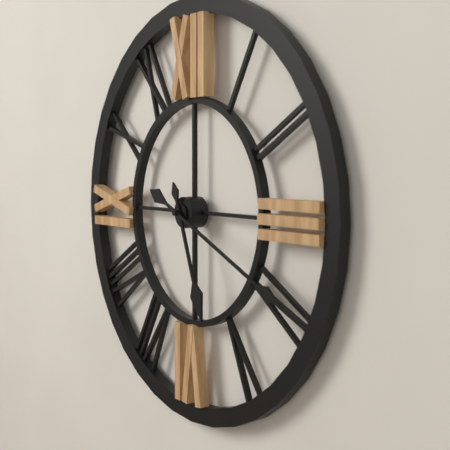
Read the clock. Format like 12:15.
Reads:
5:19
